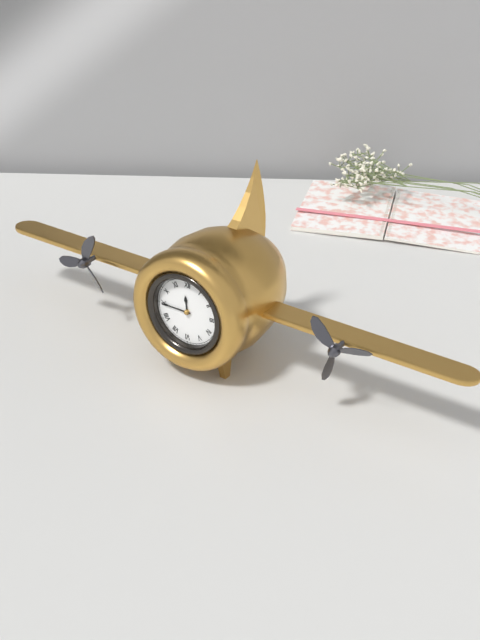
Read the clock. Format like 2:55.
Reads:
11:45
